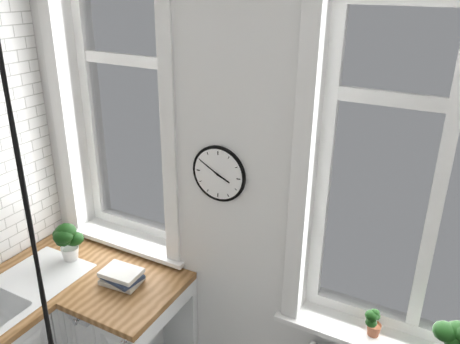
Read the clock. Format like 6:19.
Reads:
3:50
